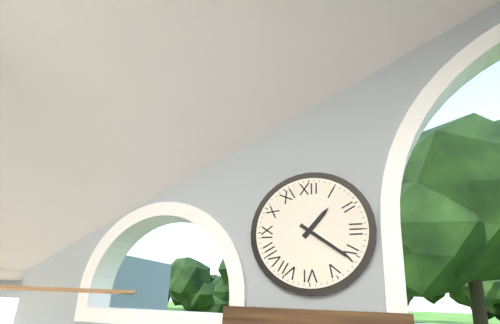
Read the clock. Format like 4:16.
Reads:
1:21
